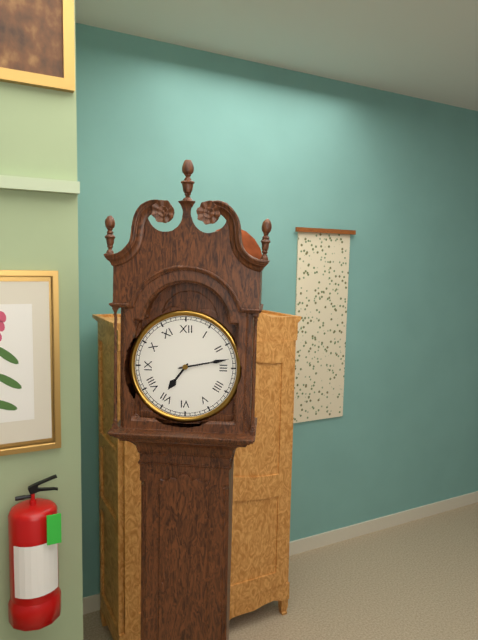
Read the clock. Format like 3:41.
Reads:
7:13
